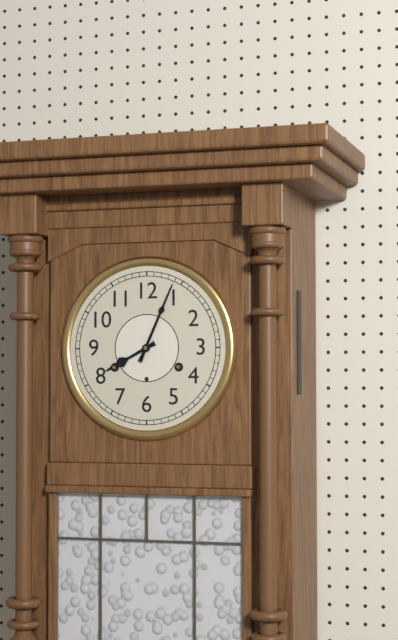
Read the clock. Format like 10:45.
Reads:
8:04
